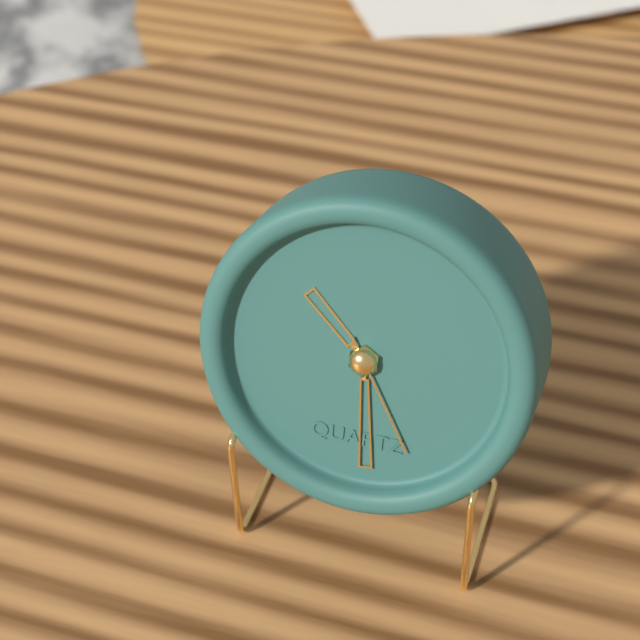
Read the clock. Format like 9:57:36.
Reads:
10:29:25
